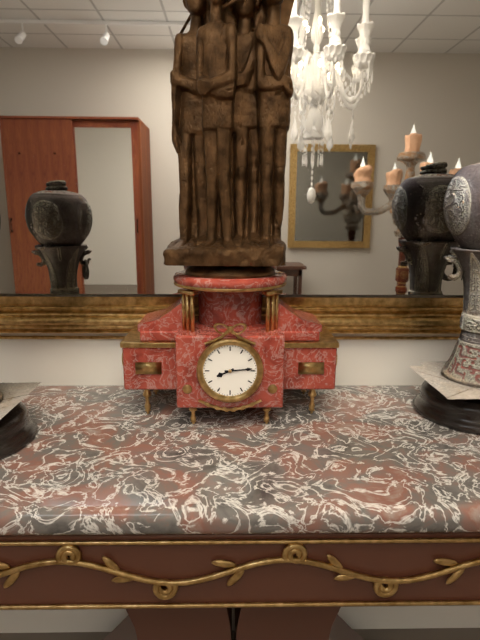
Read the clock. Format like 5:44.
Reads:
8:14
